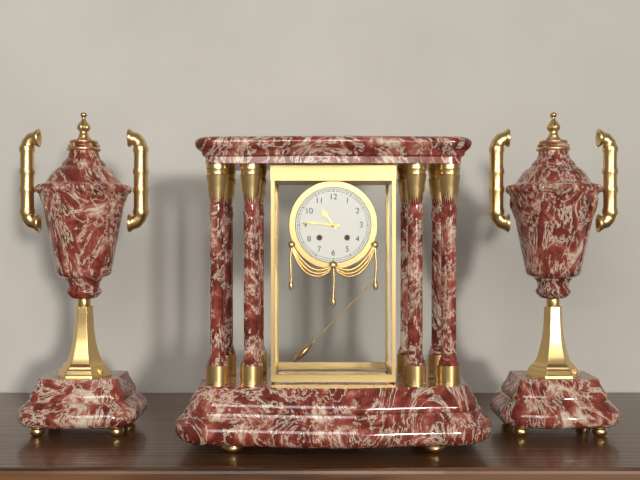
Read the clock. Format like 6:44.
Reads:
10:46
